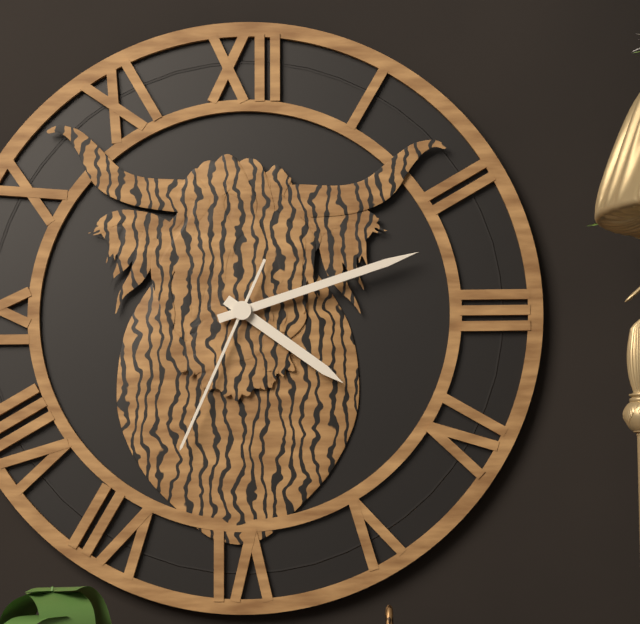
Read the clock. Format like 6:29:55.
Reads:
4:12:34
